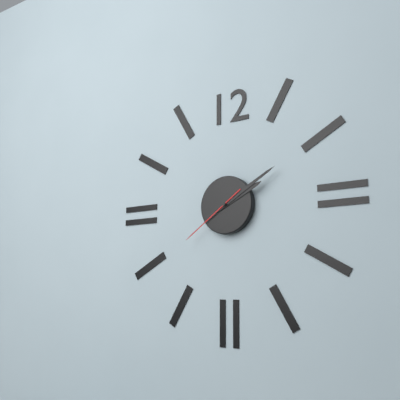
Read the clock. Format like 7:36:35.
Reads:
2:10:39
